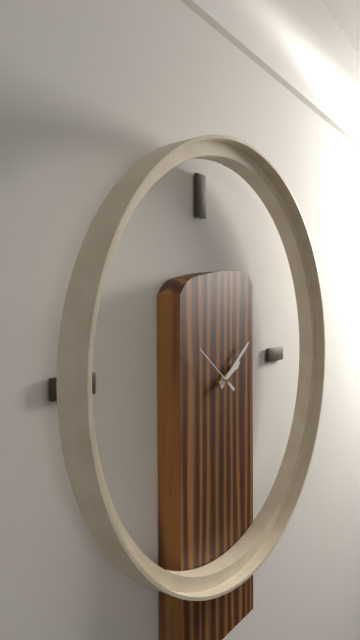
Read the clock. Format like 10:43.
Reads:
2:09
